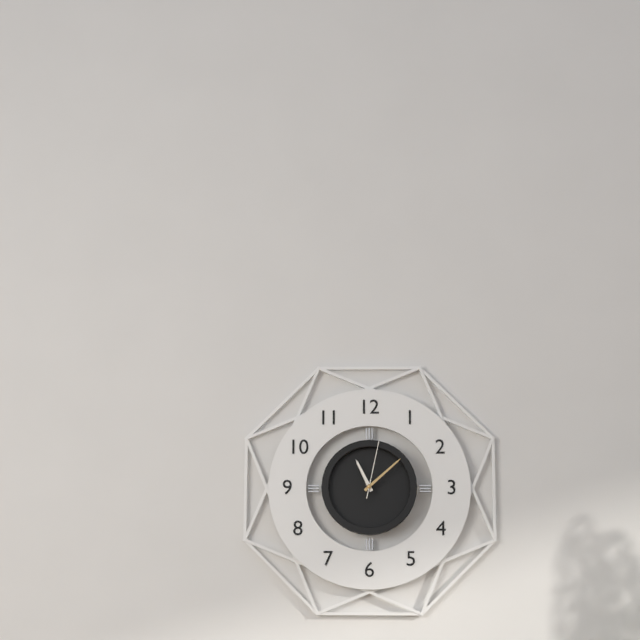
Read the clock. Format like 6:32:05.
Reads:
11:08:02
